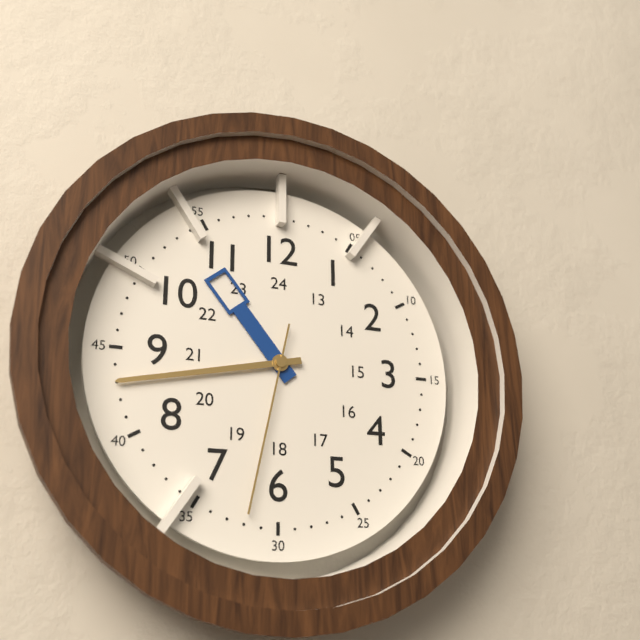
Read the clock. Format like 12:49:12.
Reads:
10:43:32
